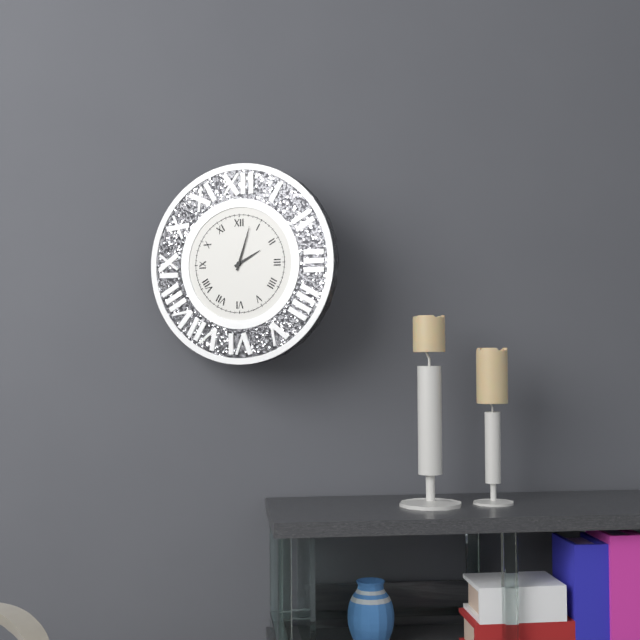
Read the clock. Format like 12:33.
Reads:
2:03
